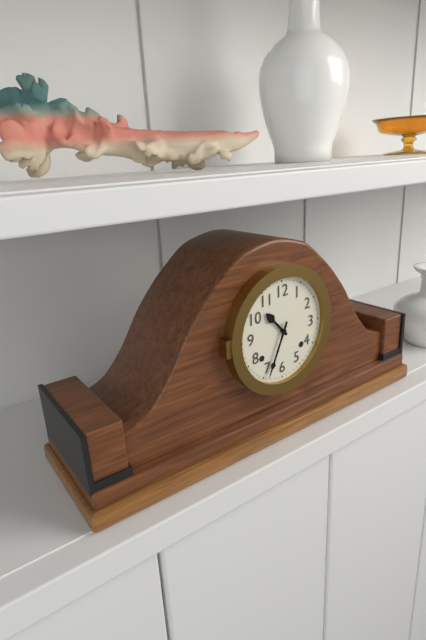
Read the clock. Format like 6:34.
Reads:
10:34
